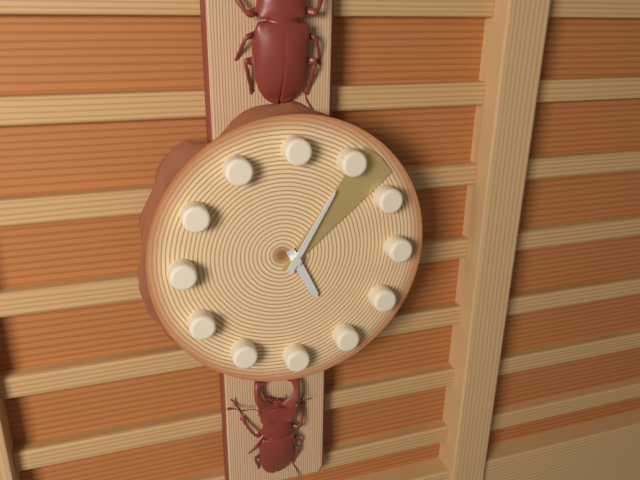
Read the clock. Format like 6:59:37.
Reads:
5:05:07
